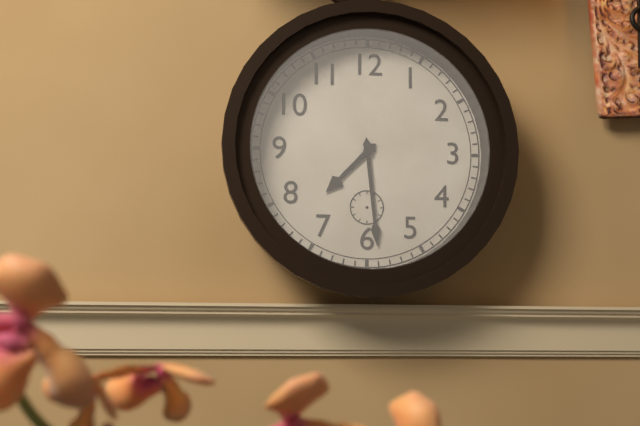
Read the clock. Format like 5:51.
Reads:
7:29
